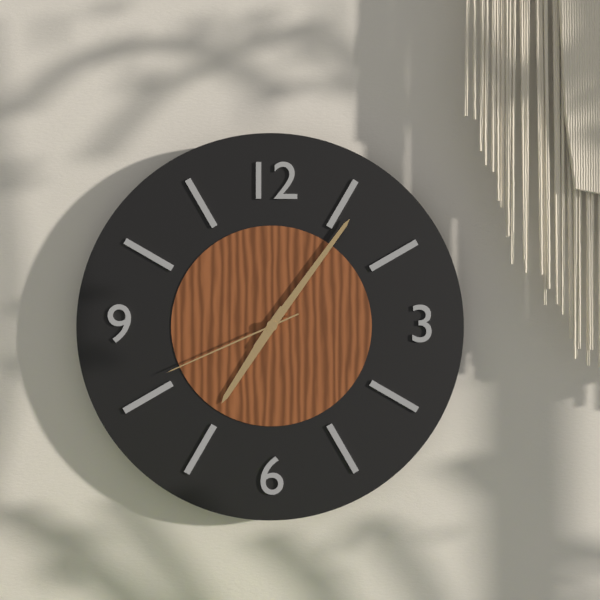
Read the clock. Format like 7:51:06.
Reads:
7:06:41
